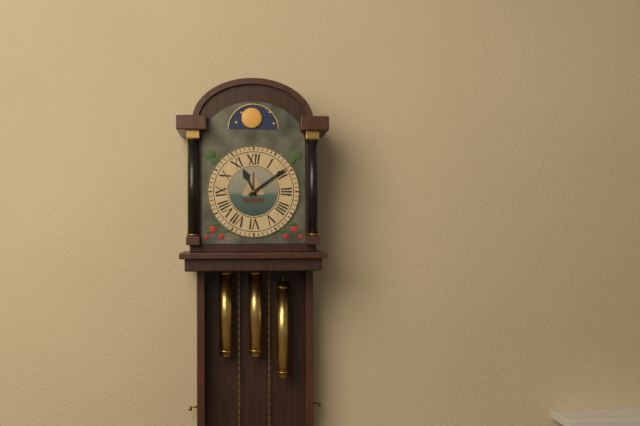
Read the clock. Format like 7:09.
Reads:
11:09
